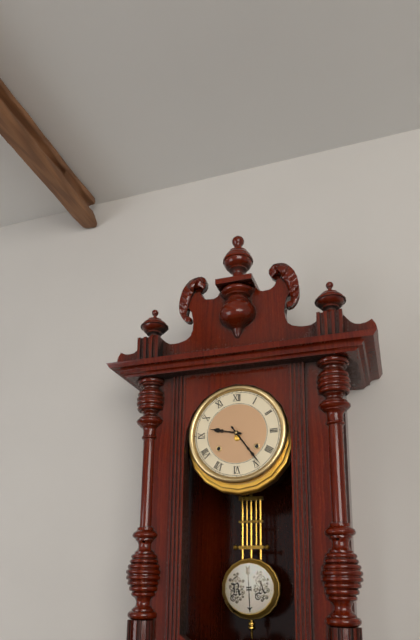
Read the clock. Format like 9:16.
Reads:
9:24
